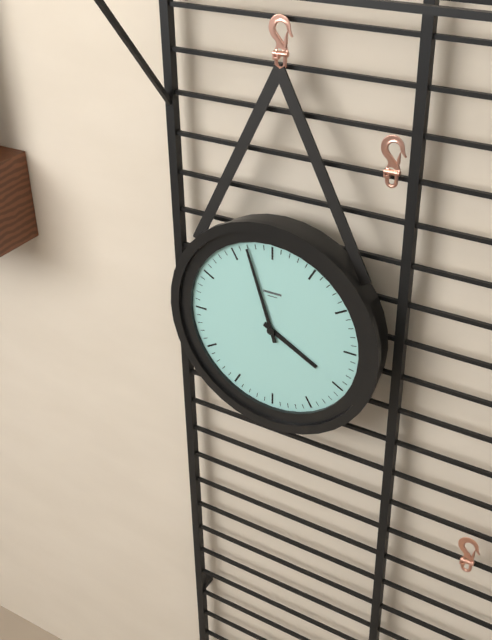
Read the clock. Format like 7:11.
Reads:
3:57
